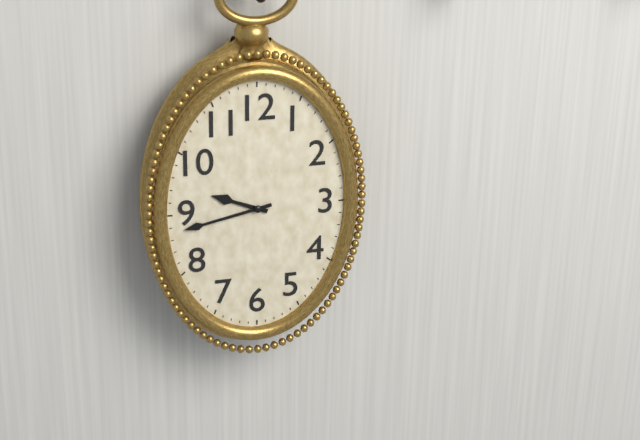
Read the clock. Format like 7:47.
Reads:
9:43
